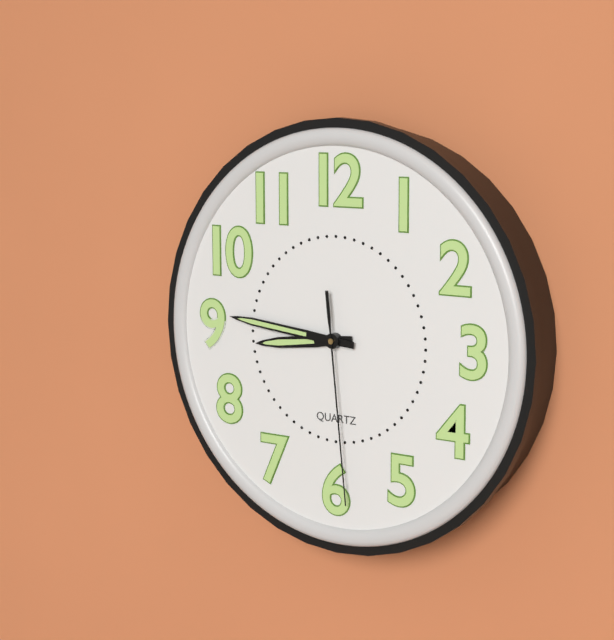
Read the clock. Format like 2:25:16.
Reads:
8:46:29
